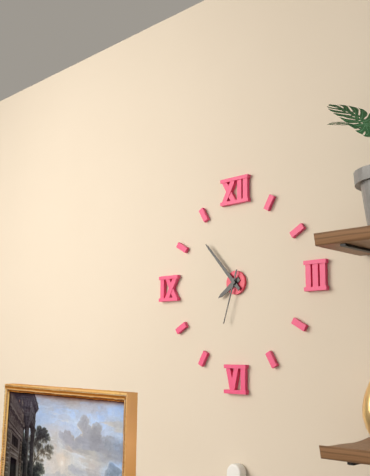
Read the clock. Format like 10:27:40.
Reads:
7:53:33
